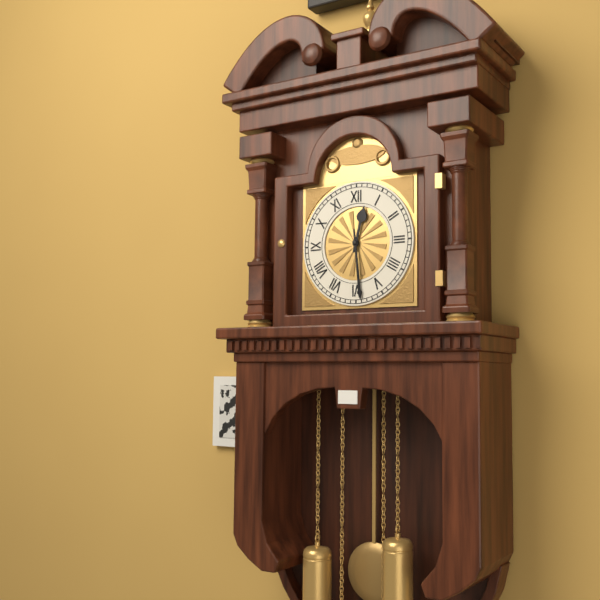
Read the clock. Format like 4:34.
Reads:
12:29
